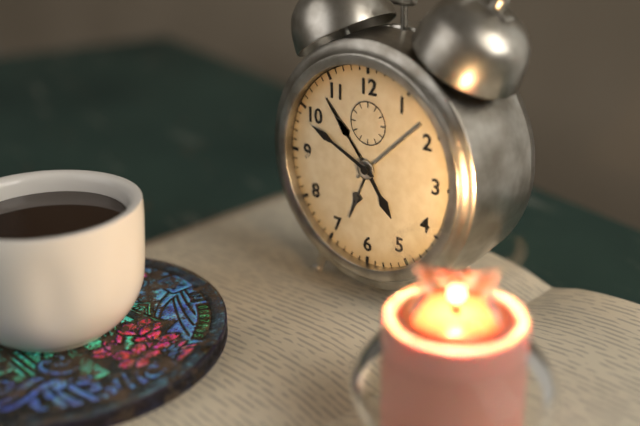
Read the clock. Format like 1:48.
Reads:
4:49
